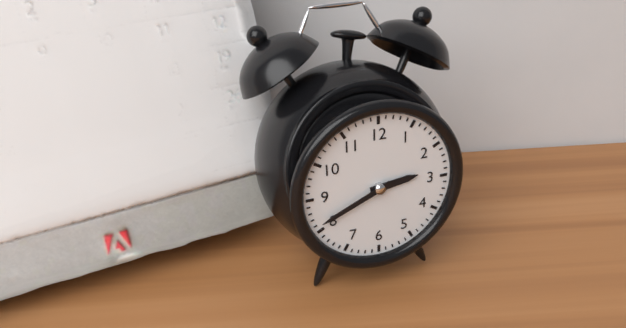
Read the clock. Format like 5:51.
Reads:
2:41
